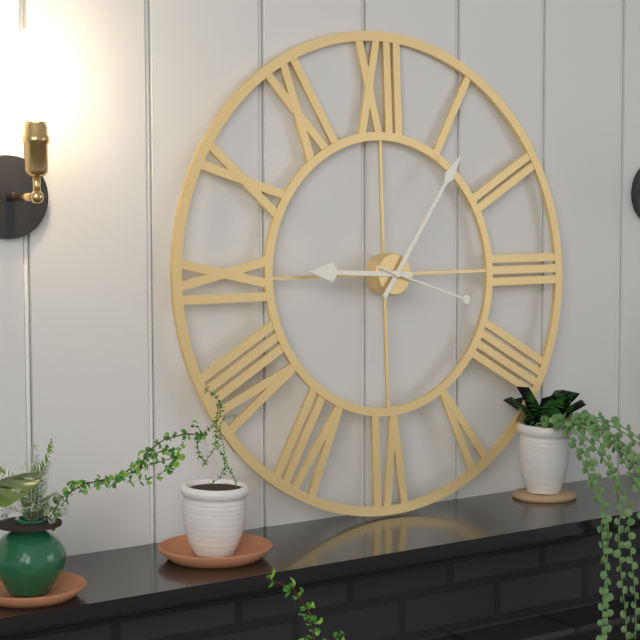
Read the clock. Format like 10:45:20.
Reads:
9:06:18
